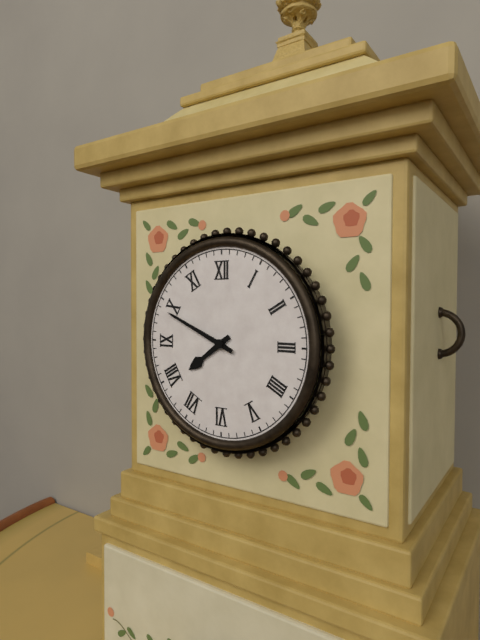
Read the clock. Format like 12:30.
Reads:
7:49
